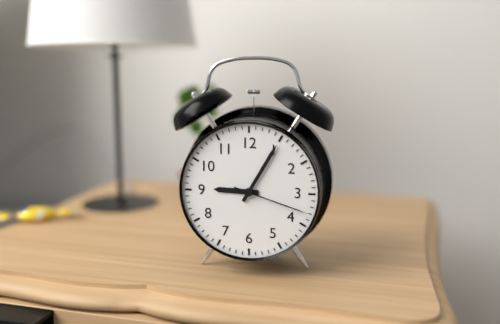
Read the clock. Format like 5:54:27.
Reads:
9:05:18
